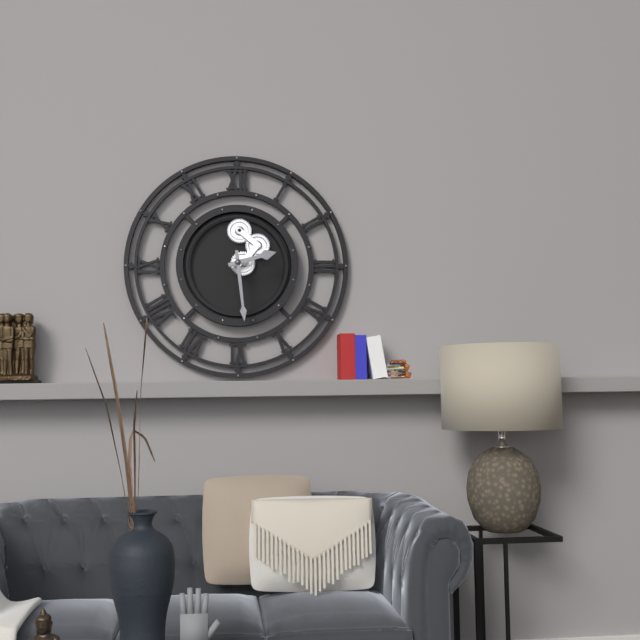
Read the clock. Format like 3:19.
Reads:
2:29
